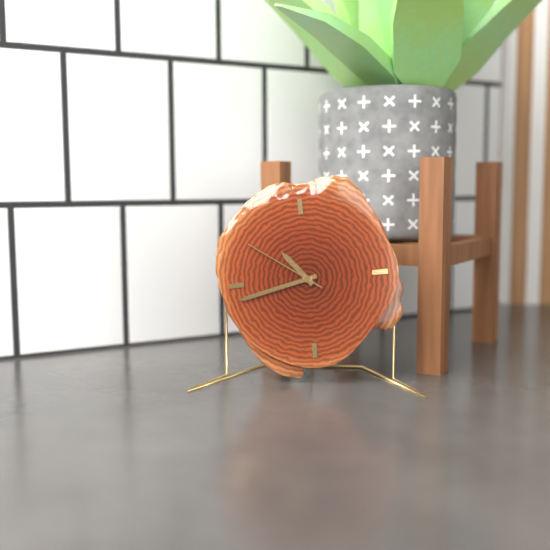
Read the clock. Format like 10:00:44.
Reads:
10:43:51
